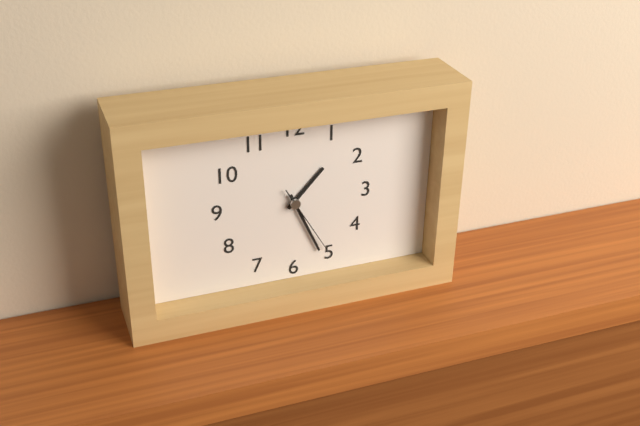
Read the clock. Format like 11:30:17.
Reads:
1:26:25
